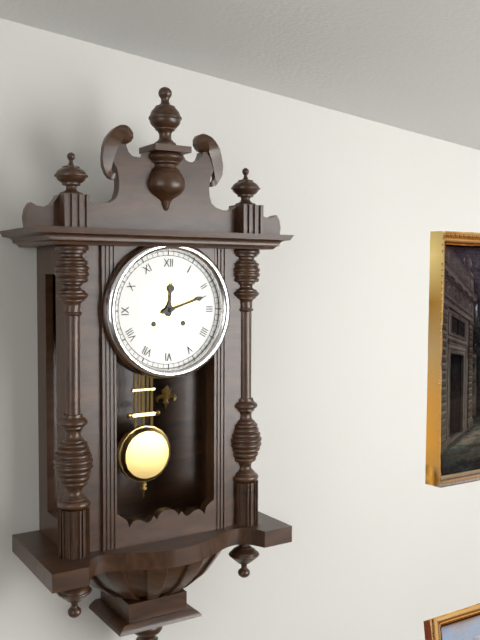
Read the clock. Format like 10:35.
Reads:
12:12
